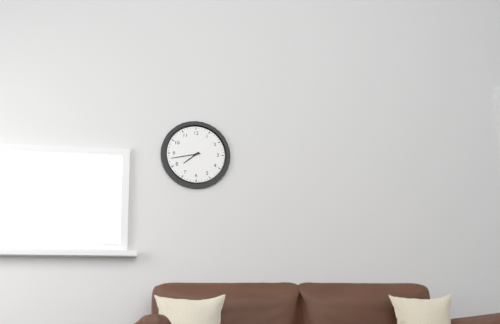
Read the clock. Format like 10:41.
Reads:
7:43
